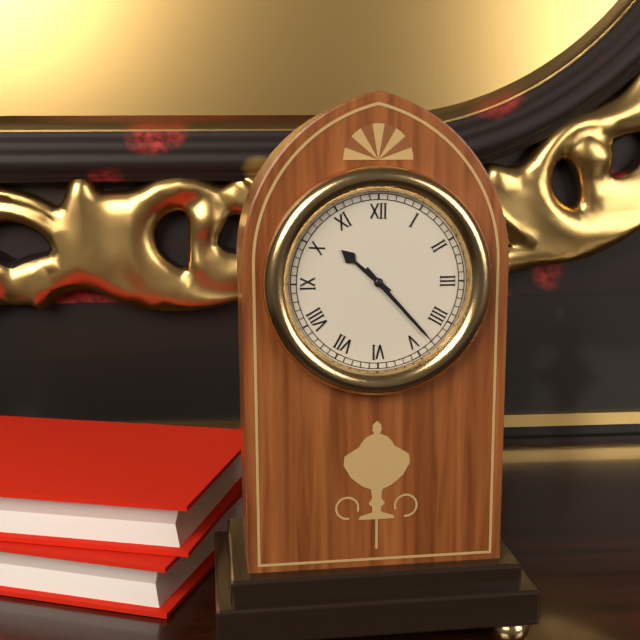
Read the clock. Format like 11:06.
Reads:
10:23
